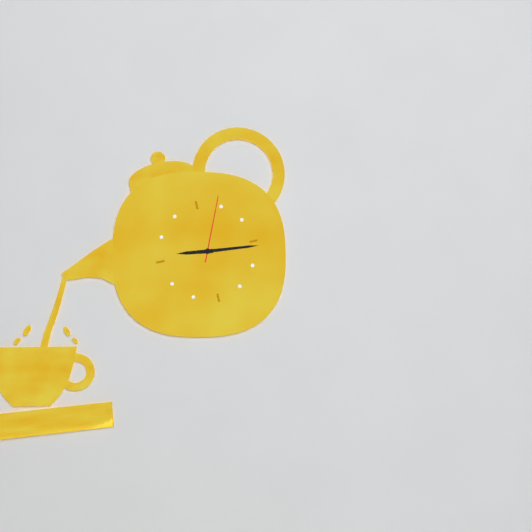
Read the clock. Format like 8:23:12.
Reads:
9:16:04
